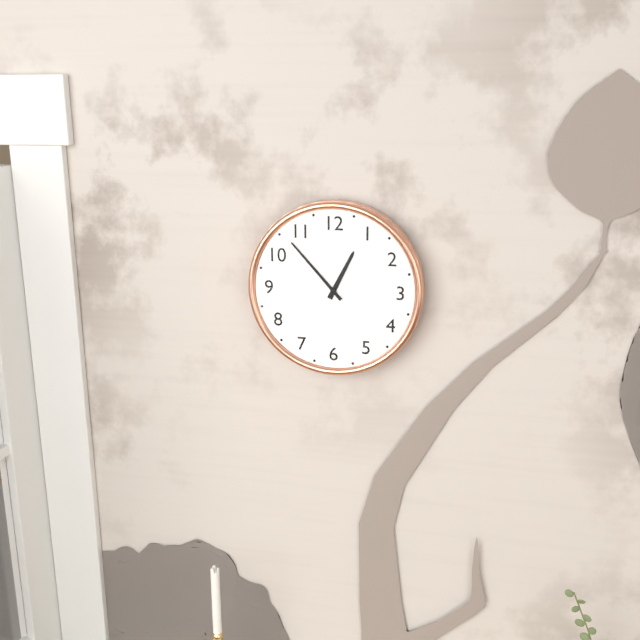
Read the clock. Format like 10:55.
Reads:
12:53
